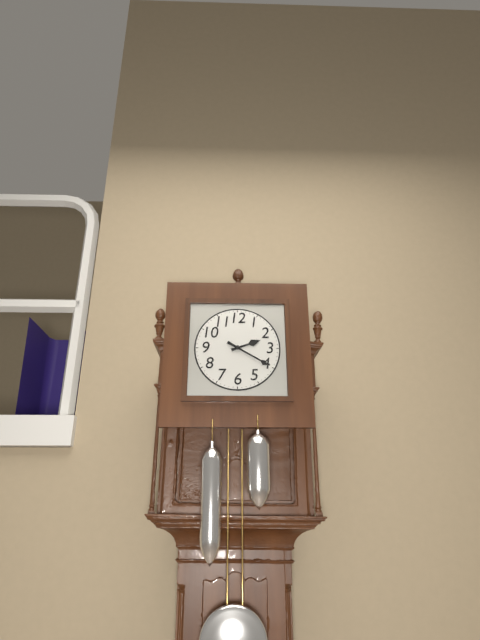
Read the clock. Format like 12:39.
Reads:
2:20
